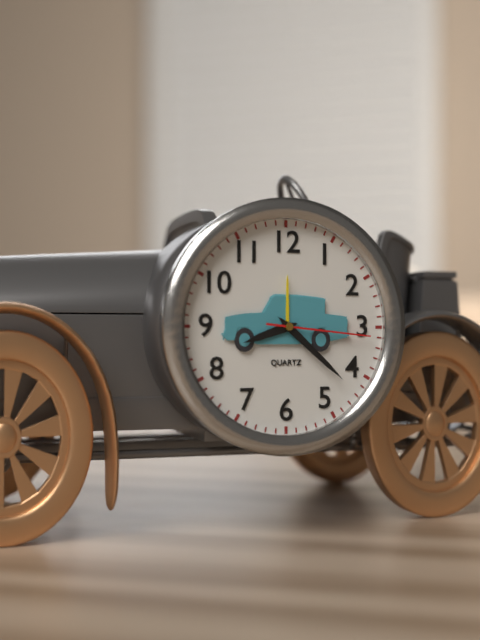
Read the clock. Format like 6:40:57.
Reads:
8:22:16
